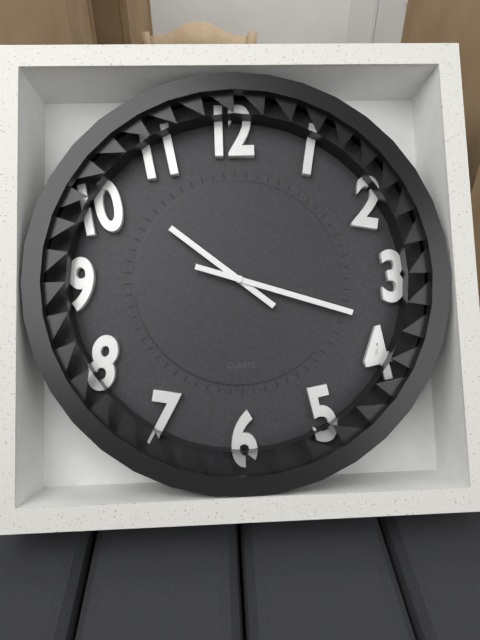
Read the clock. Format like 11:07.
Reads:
10:18
